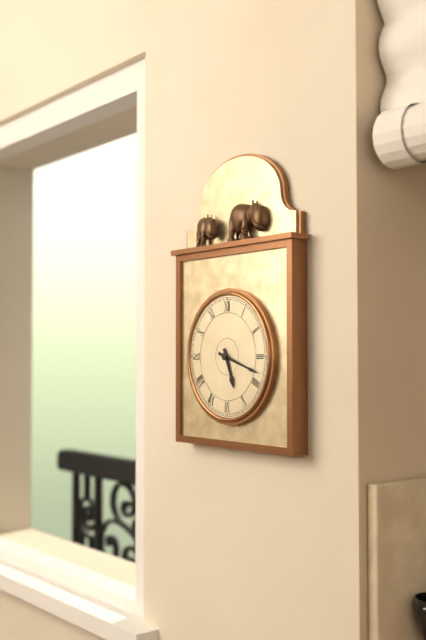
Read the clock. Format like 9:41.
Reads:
5:18
